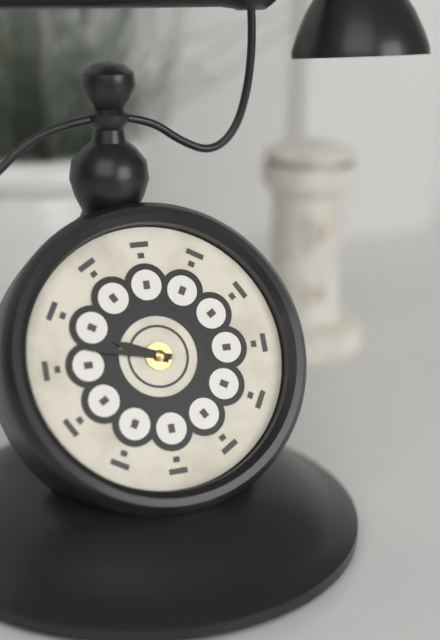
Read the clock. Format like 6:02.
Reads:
9:47
